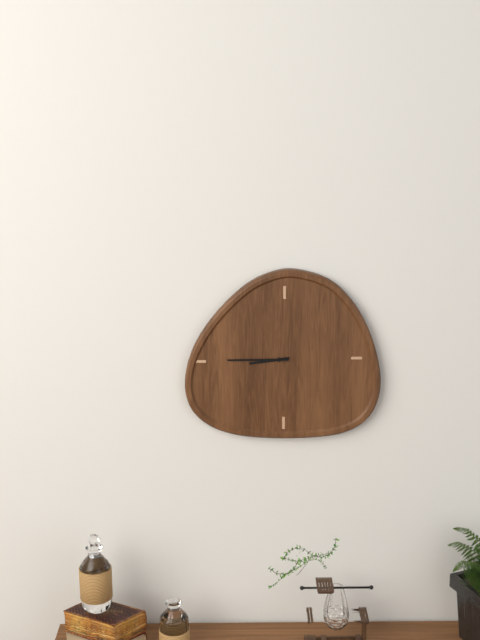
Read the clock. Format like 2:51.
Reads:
8:45
